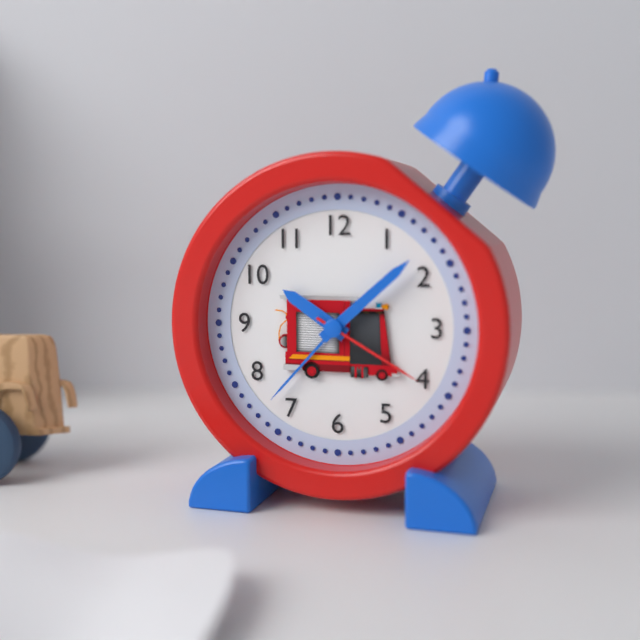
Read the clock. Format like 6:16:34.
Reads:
10:08:20
